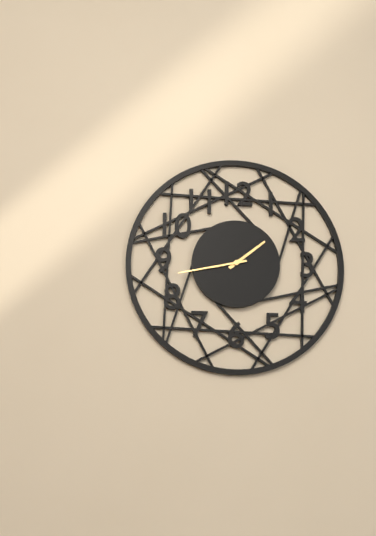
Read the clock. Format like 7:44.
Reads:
1:43
